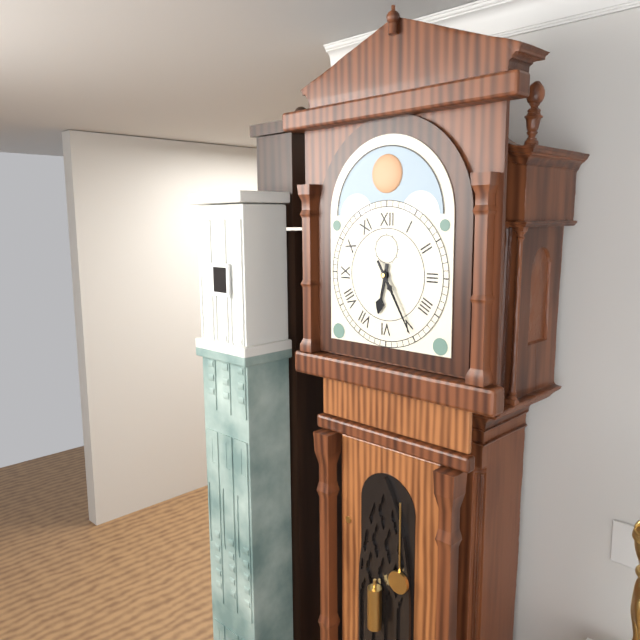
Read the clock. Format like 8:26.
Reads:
6:25
